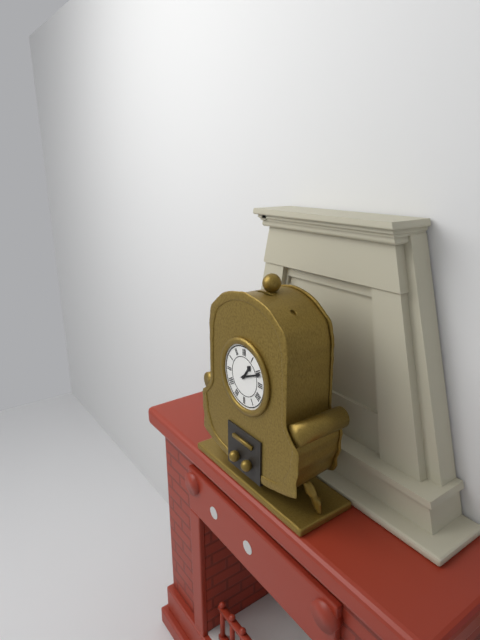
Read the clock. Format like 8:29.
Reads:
1:11
